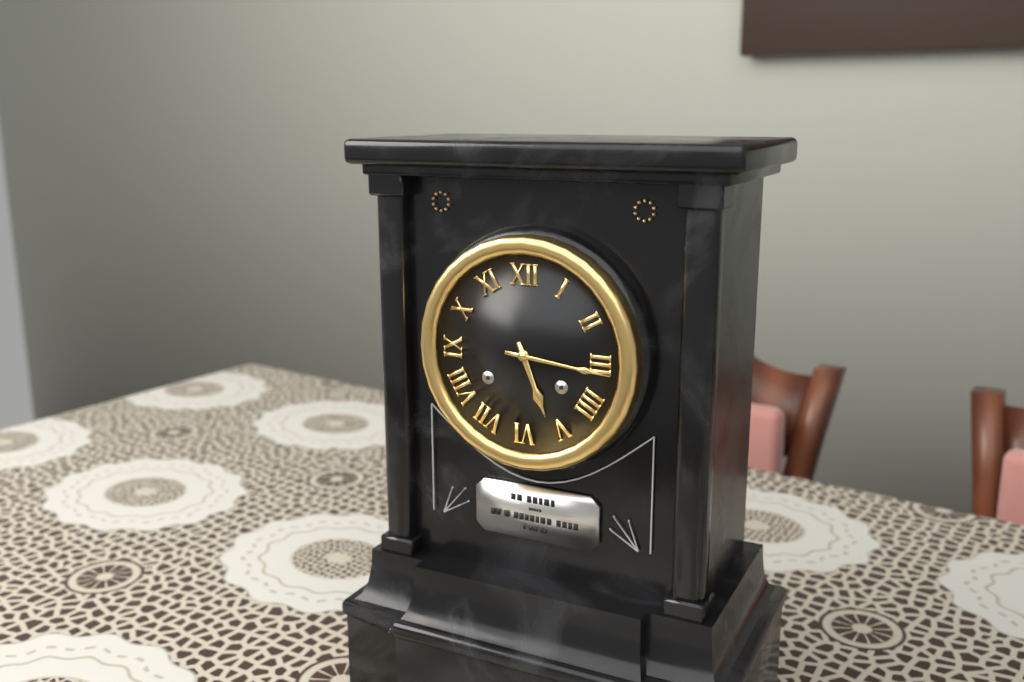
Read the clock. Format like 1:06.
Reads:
5:16
